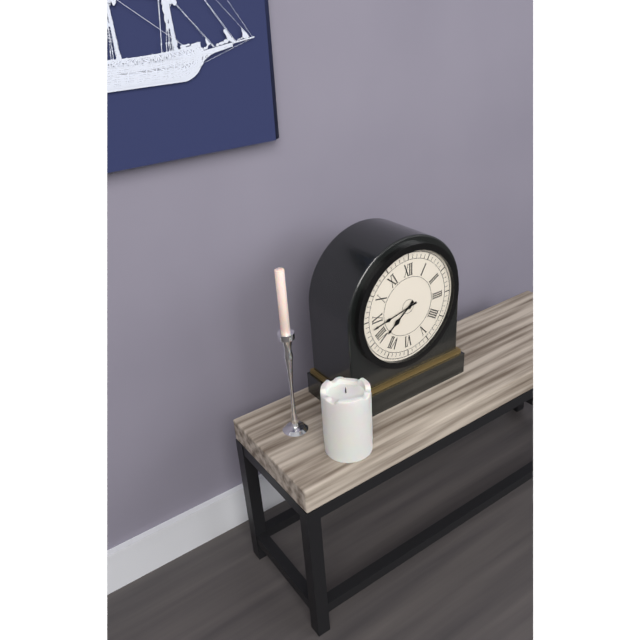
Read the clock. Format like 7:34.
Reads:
7:43
